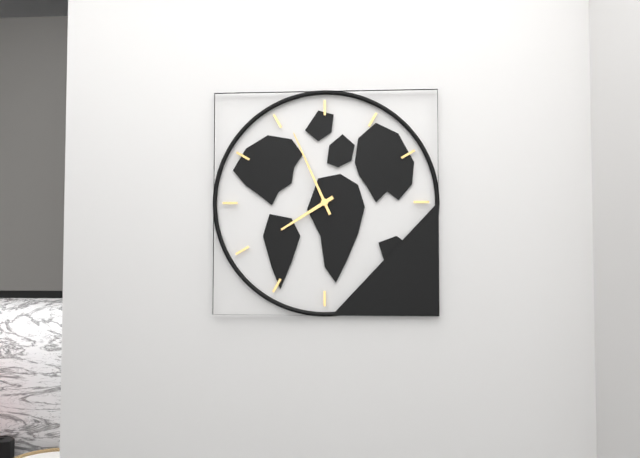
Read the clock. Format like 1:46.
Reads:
7:56
